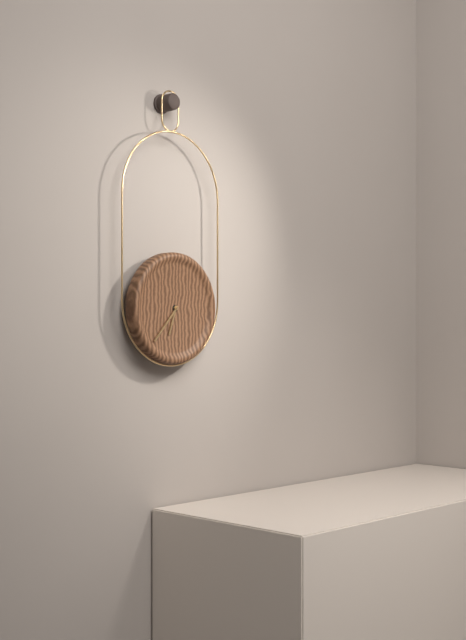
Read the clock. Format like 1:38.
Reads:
6:37
